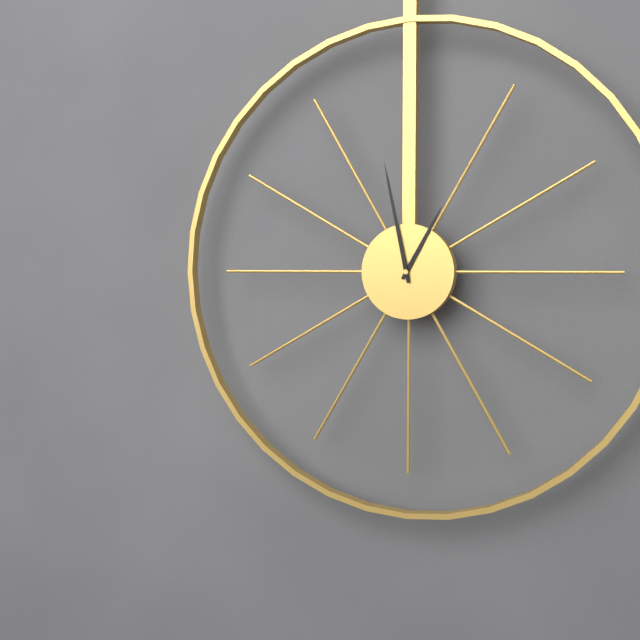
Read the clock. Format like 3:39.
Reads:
12:58
